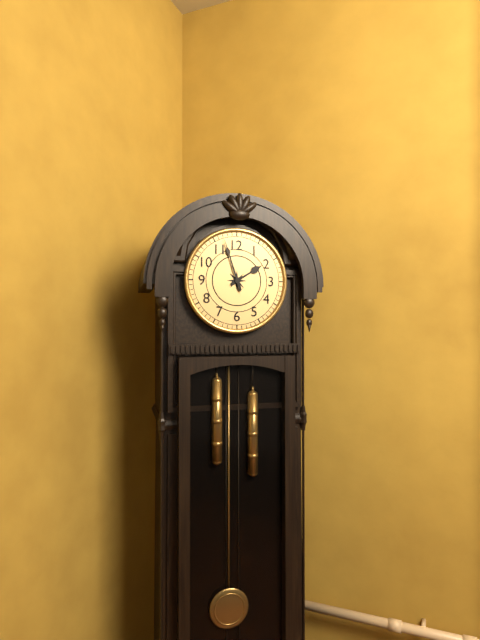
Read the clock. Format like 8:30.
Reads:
1:57
